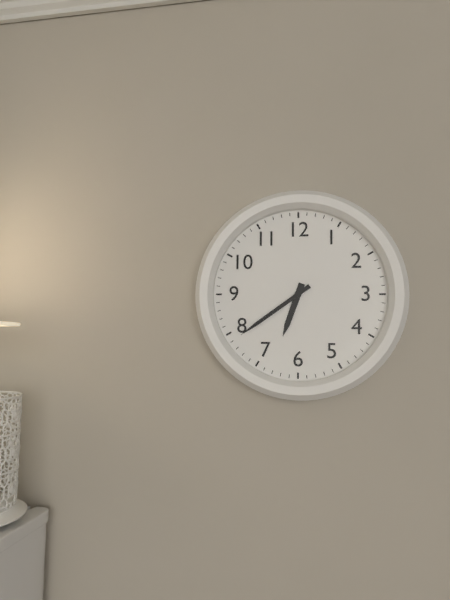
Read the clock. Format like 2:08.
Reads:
6:39
